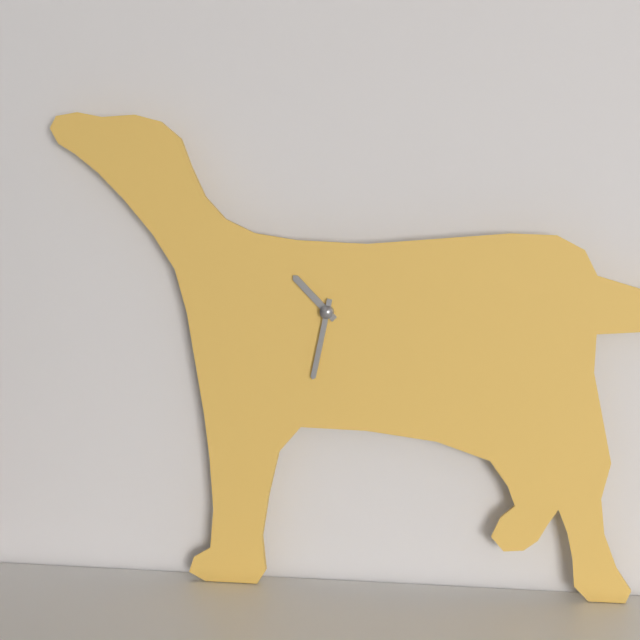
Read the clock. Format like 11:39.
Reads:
10:32
